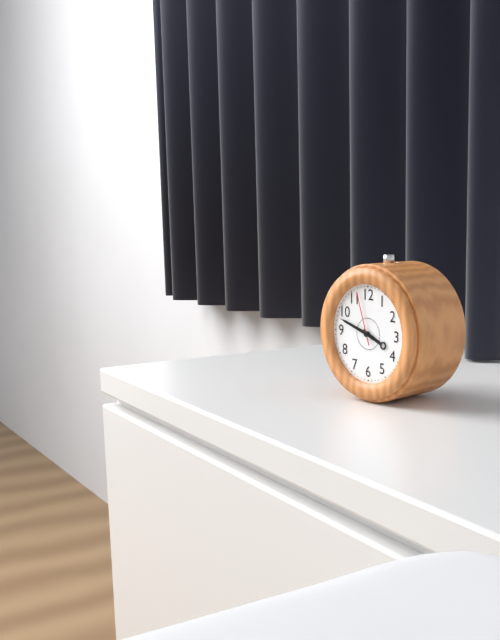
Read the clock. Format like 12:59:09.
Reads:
3:48:57
